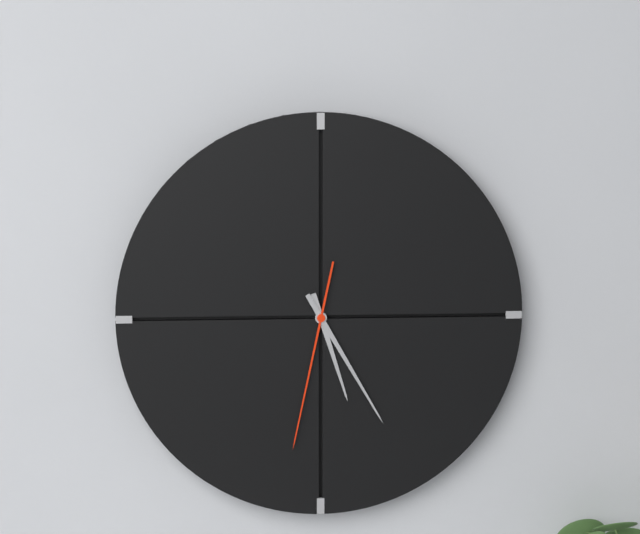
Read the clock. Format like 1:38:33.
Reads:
5:25:32
